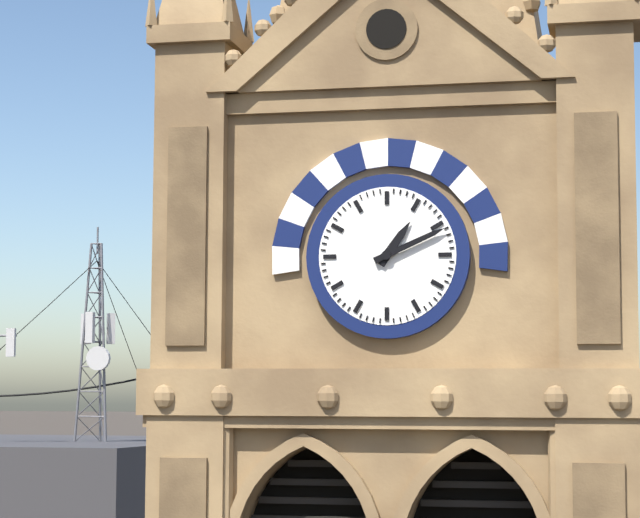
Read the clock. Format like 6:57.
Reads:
1:11
